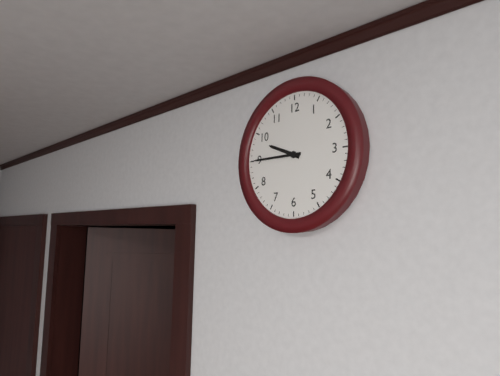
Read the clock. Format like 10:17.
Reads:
9:45
